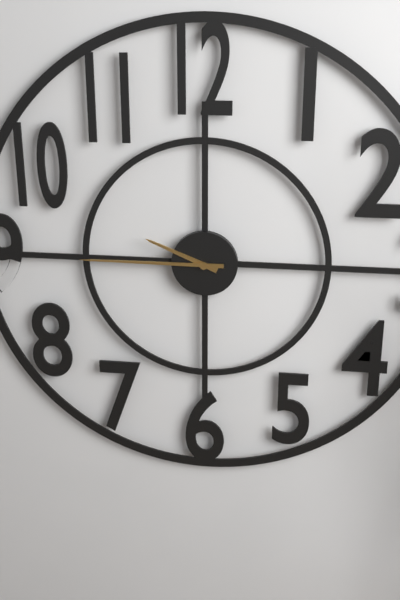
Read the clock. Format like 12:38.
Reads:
9:45
